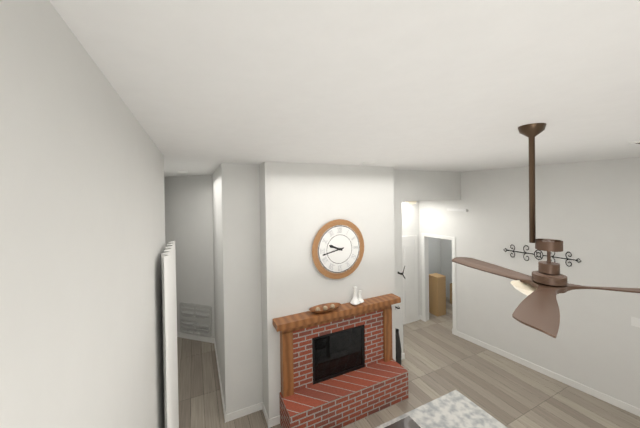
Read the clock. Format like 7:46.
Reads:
9:43
